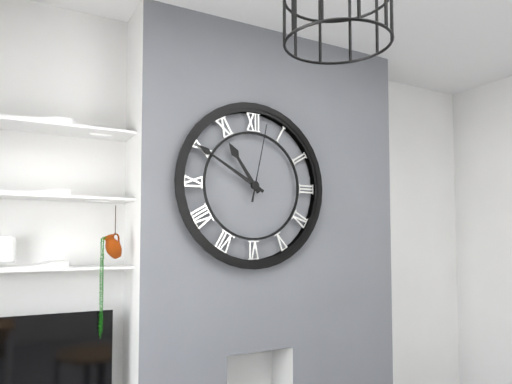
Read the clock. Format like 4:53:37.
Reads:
10:50:02
